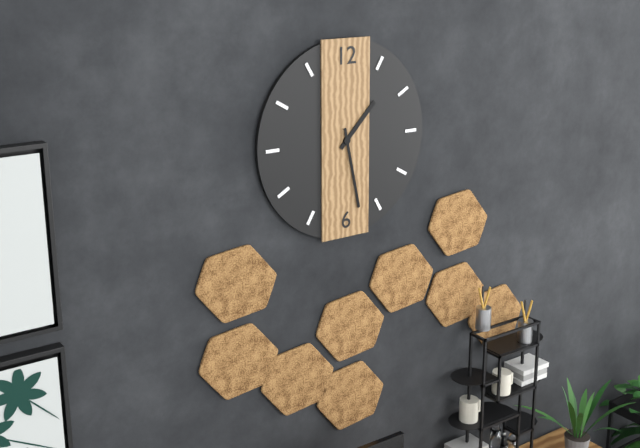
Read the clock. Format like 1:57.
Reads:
1:28
